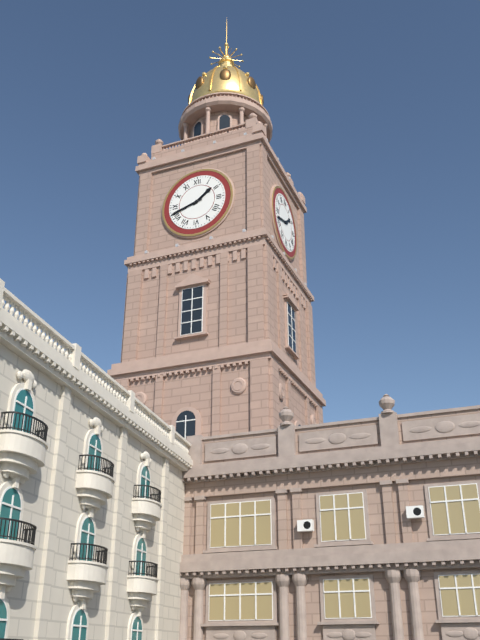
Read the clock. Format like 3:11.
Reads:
1:42
